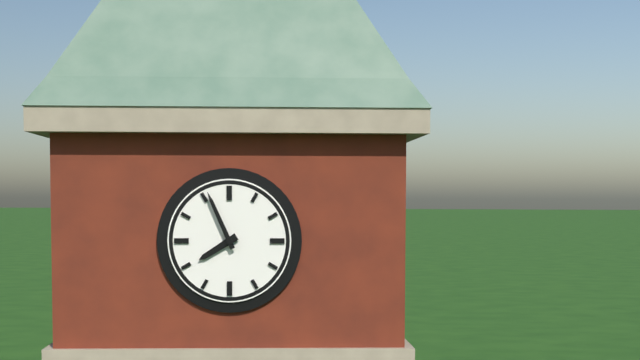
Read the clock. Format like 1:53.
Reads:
7:56
